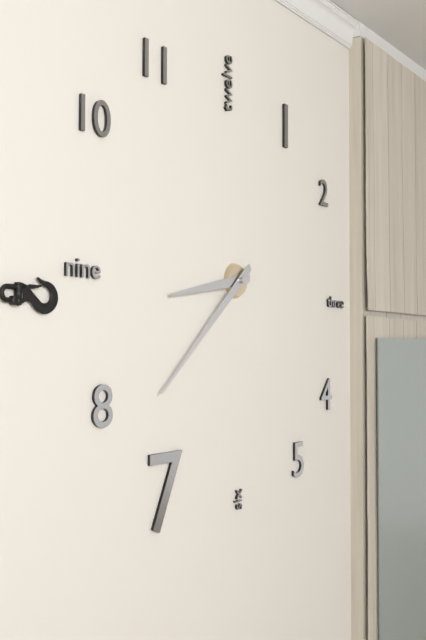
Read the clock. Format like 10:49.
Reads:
8:38
